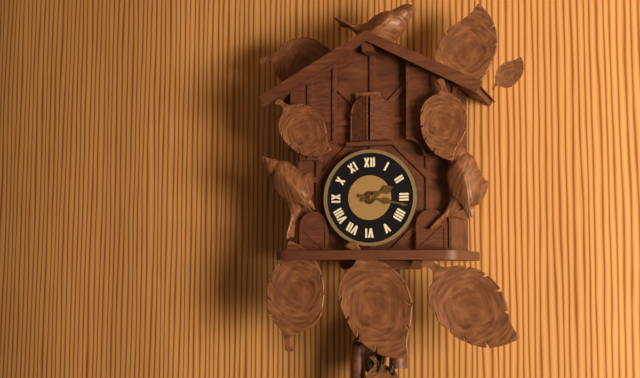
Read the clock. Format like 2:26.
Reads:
2:17
